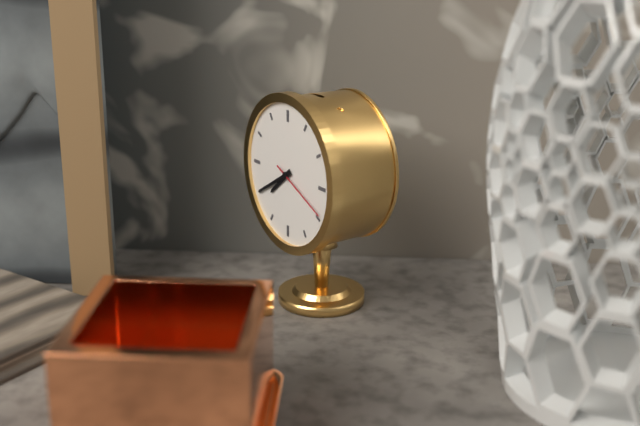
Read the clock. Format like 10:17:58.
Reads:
7:40:19
